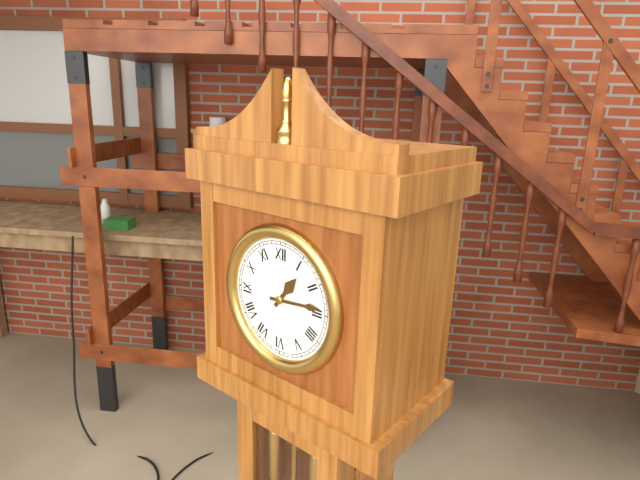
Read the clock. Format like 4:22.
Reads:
1:14
